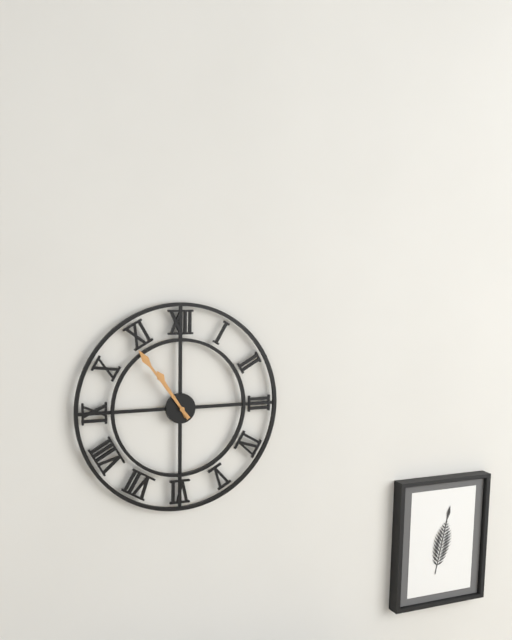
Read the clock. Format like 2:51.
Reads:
10:54
